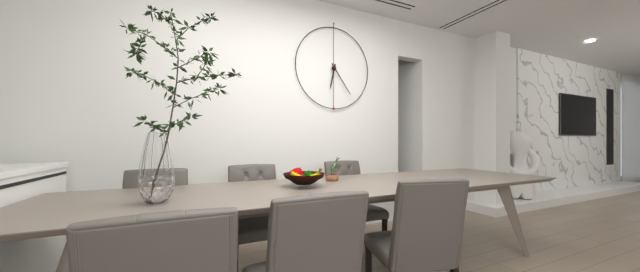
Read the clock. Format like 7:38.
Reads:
6:24
